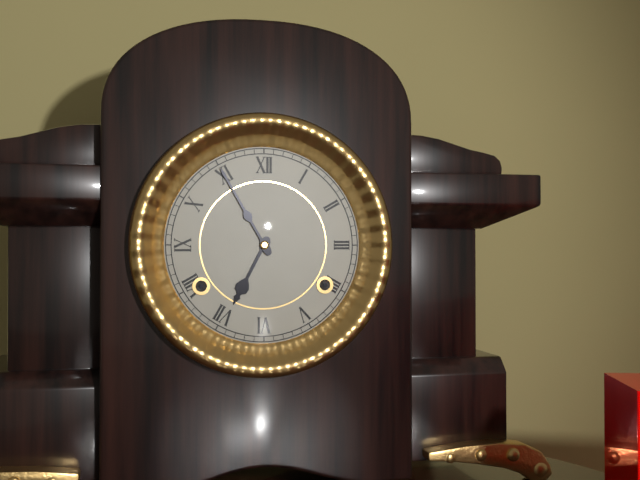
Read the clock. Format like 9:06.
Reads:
6:55
